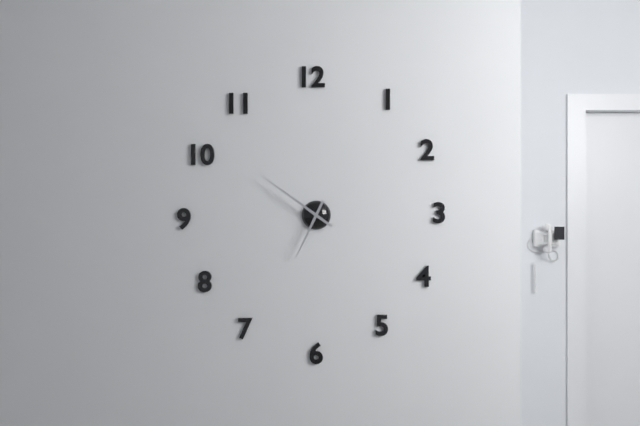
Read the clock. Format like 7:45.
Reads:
6:51
